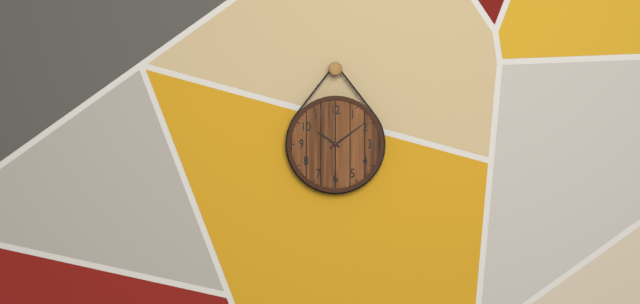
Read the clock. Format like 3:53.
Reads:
10:09
